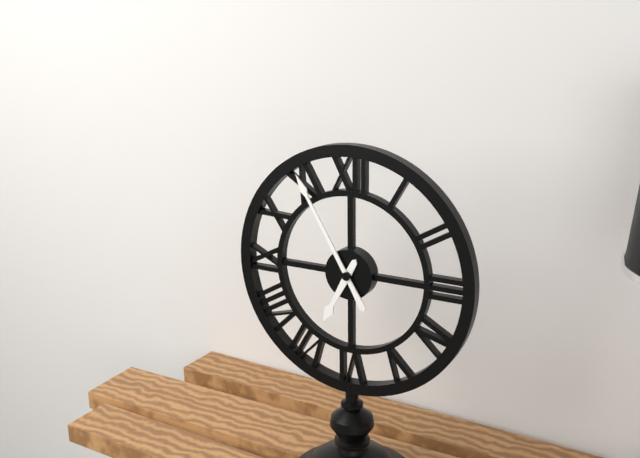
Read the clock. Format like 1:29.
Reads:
6:55
